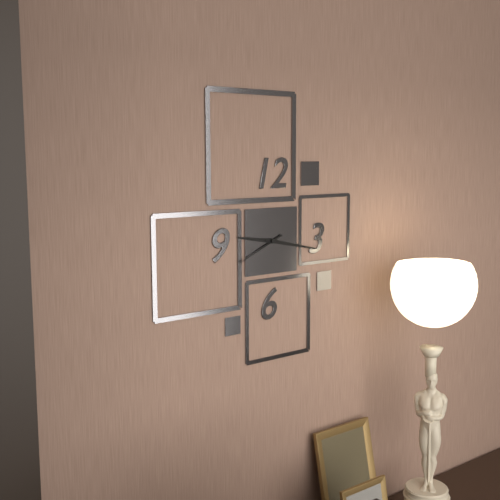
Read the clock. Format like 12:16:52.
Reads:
9:17:41
